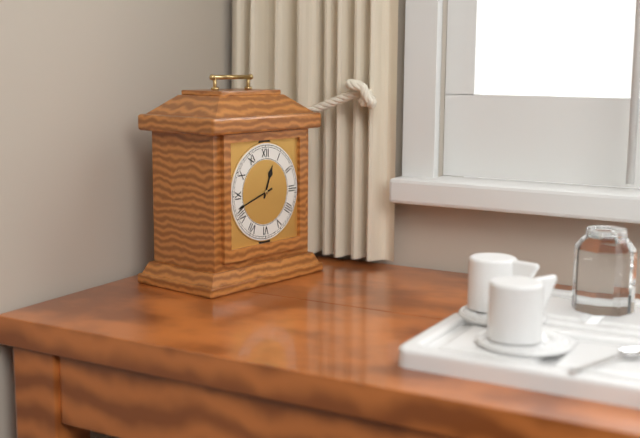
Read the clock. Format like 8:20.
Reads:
12:42
